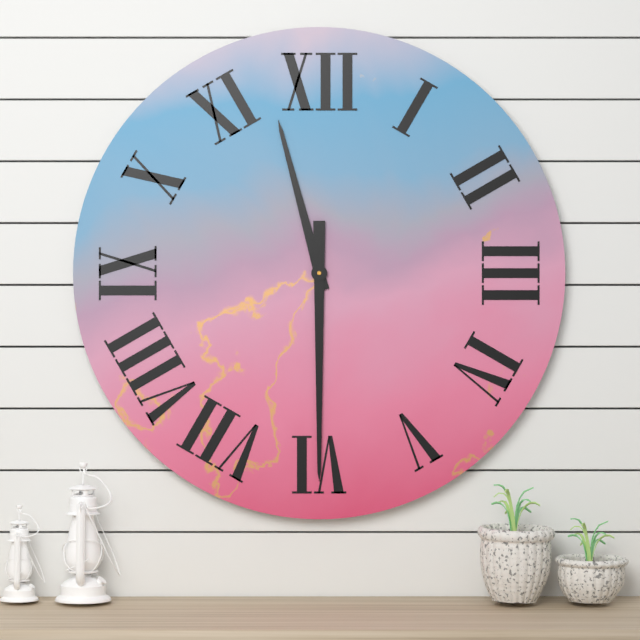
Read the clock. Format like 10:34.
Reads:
11:30
